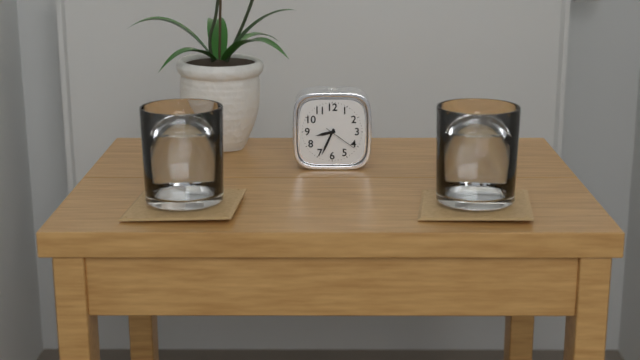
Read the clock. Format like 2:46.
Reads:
8:34
